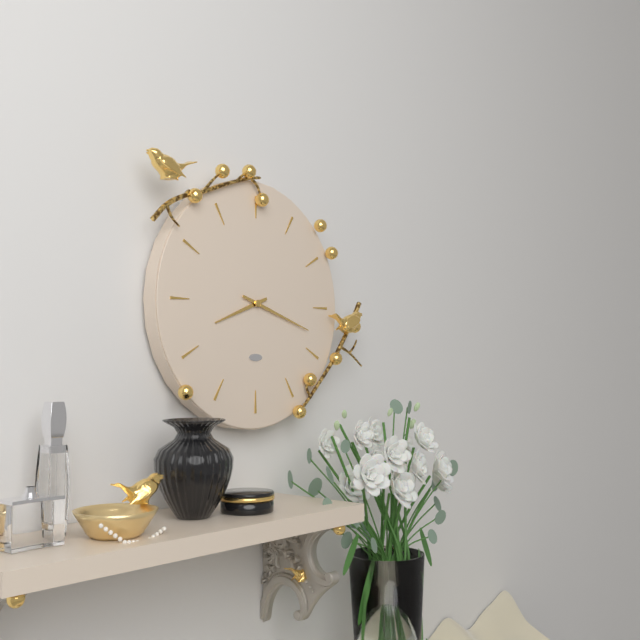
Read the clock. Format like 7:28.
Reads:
8:18
